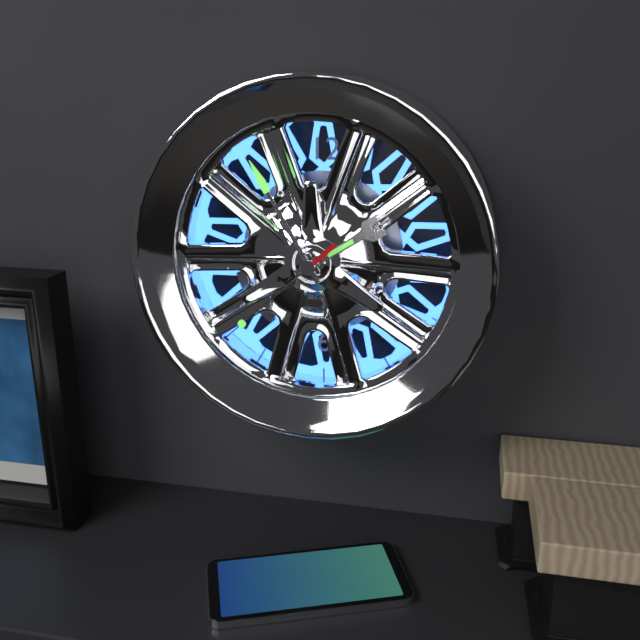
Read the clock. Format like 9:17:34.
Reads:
1:55:38
